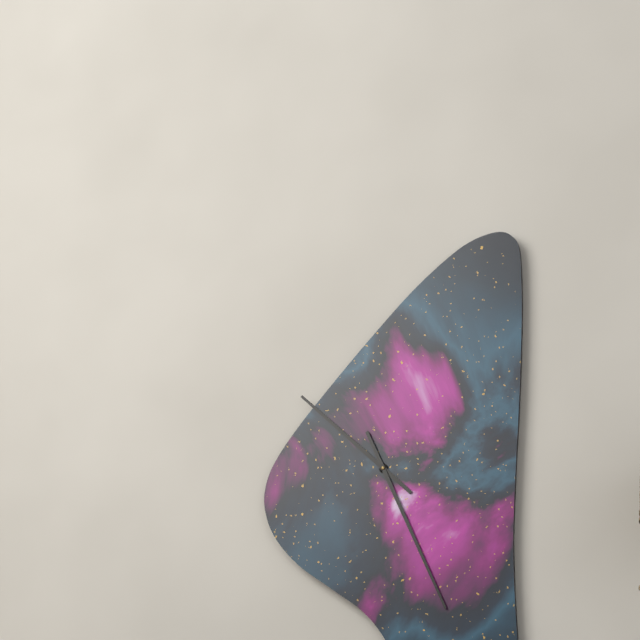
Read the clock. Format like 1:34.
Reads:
10:26
